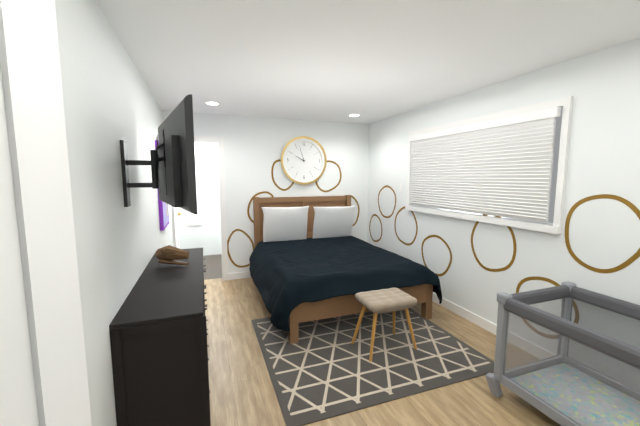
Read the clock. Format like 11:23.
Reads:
9:57
